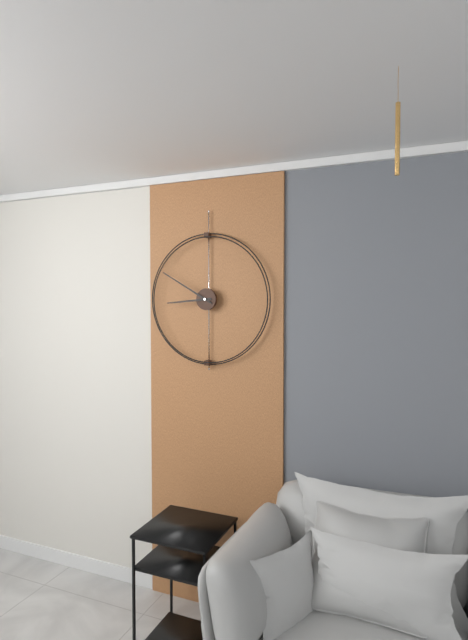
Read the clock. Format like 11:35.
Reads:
8:50
